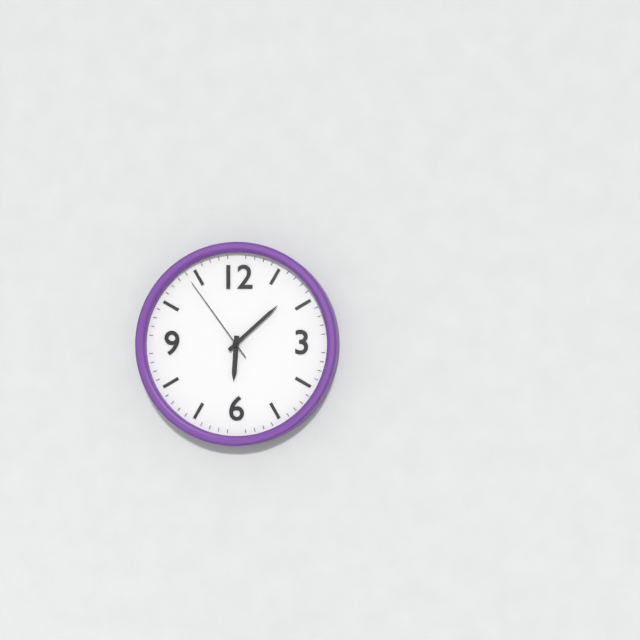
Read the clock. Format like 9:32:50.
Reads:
6:08:54
